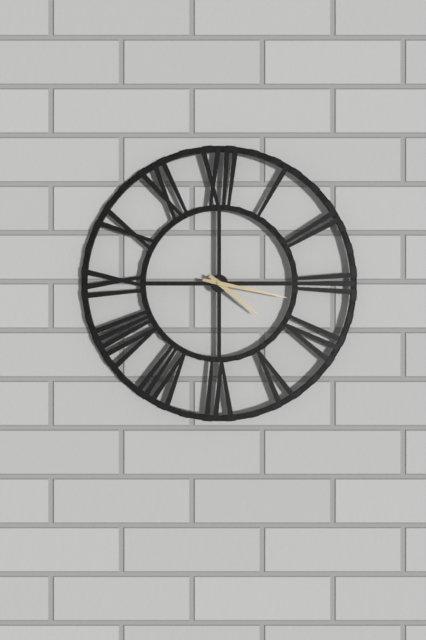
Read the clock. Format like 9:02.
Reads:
4:17
